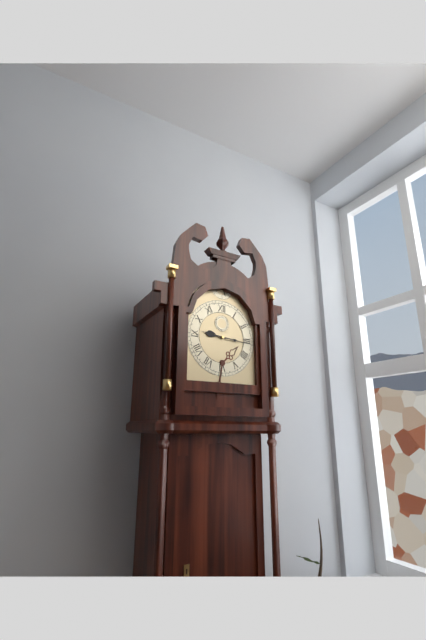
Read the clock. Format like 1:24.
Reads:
9:16
